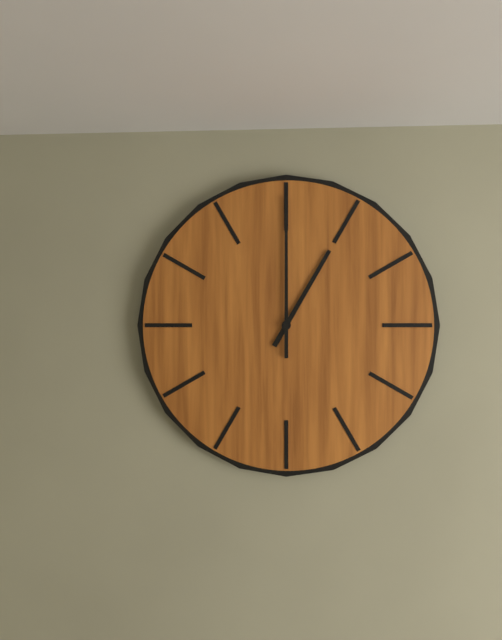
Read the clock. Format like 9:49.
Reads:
1:00
